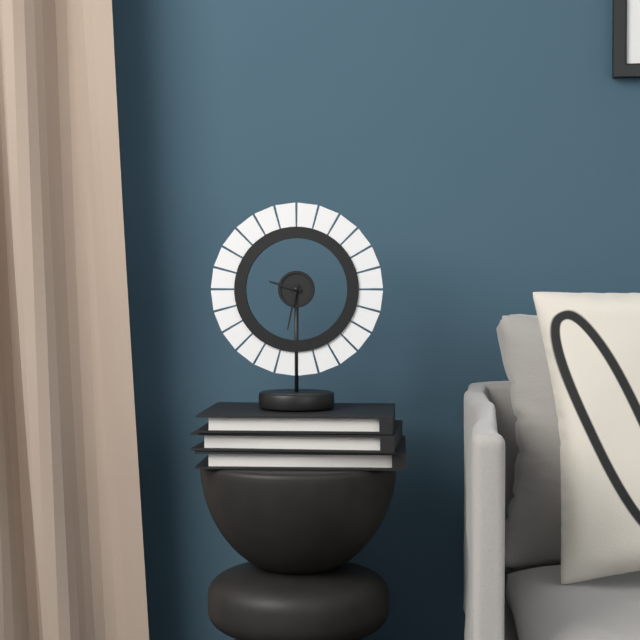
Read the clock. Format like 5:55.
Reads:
9:32
